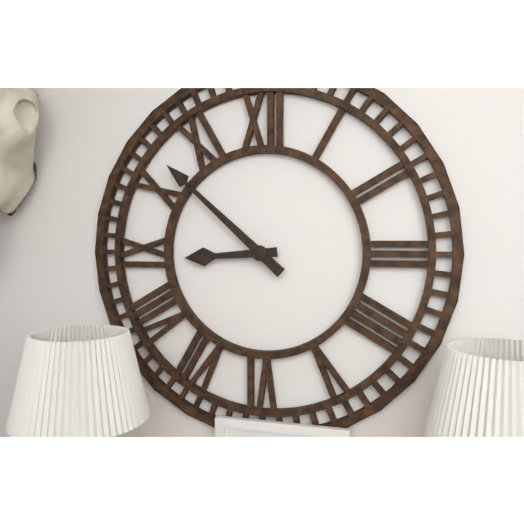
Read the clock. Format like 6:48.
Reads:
8:52
